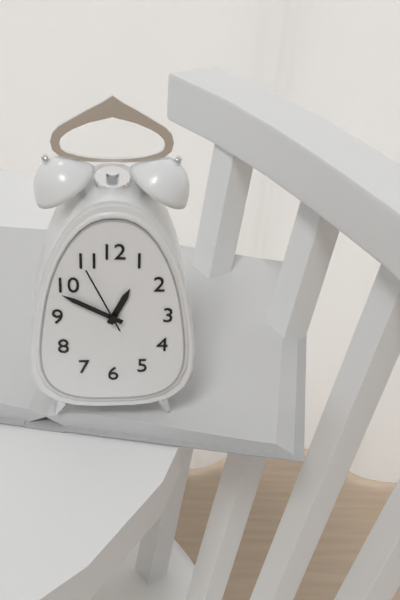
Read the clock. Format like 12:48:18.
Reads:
12:50:56
